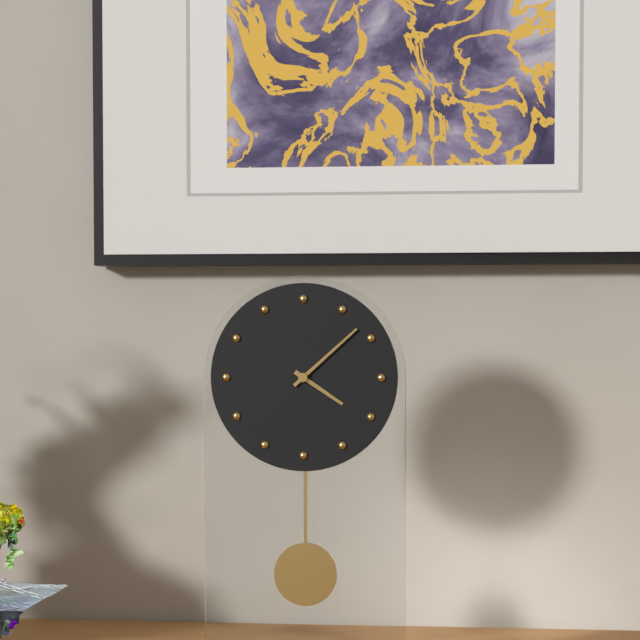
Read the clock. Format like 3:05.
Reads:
4:08
